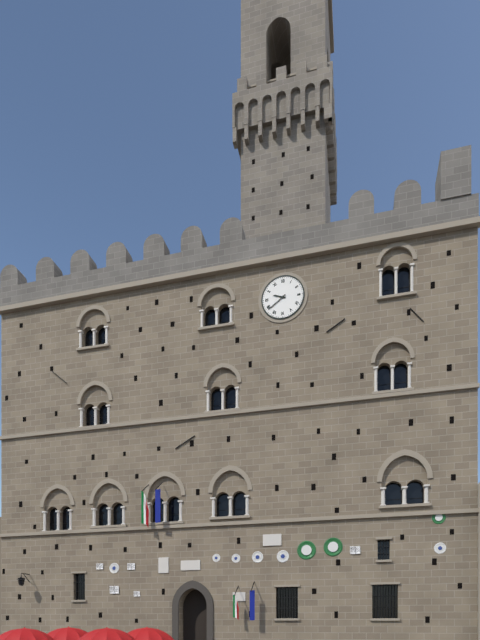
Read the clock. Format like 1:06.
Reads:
9:39
